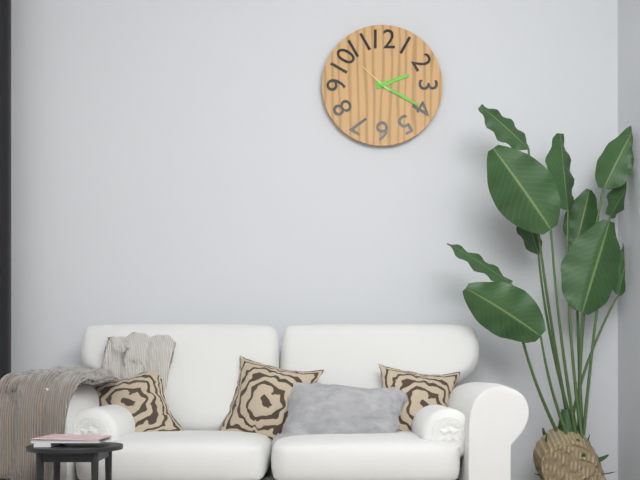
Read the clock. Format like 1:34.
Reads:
2:20
